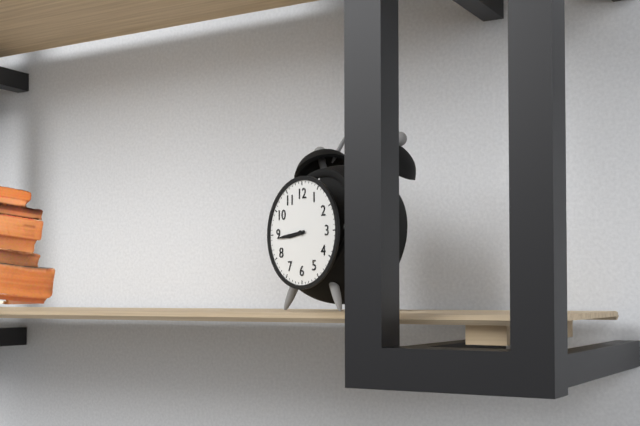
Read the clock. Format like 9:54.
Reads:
8:44
